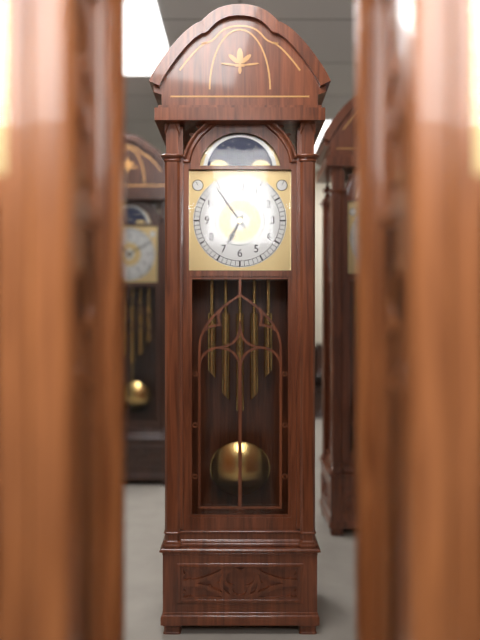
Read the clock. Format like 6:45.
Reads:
6:54
